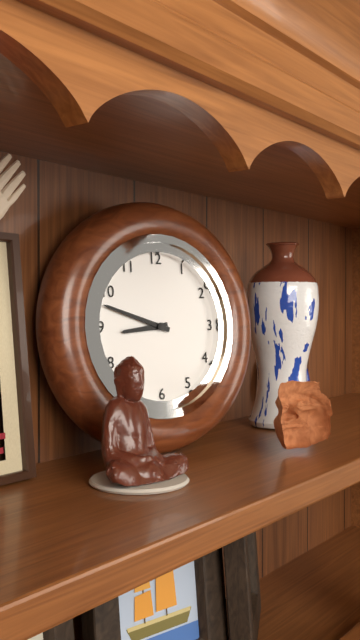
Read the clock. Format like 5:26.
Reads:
8:48
